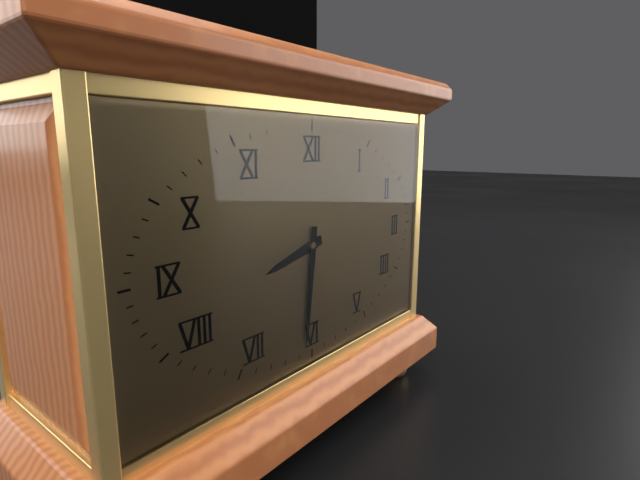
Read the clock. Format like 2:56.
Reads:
8:31
